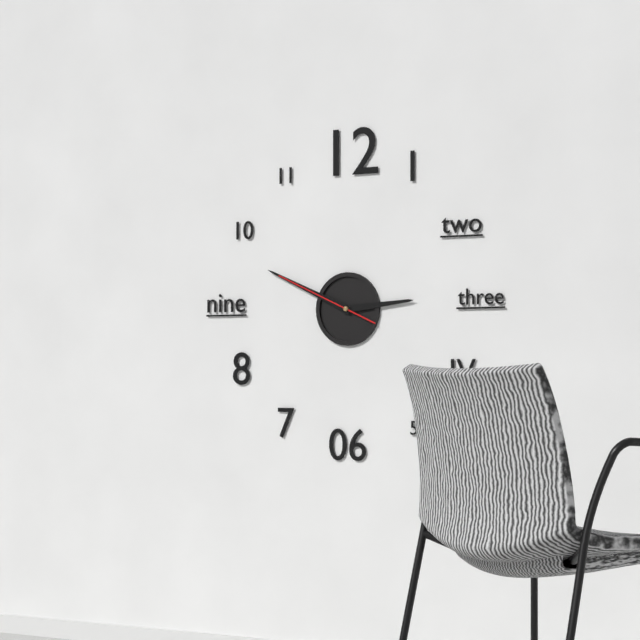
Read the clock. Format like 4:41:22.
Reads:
2:49:49
